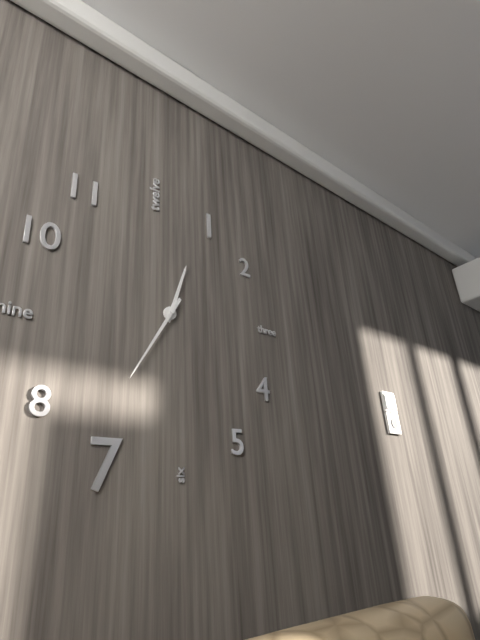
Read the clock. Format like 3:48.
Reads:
12:35
